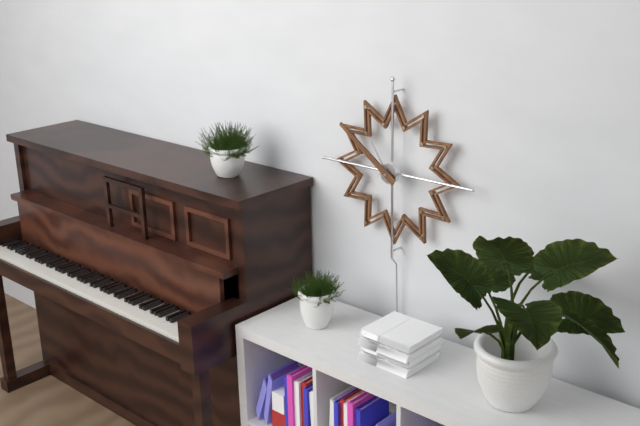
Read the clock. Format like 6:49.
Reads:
10:51
